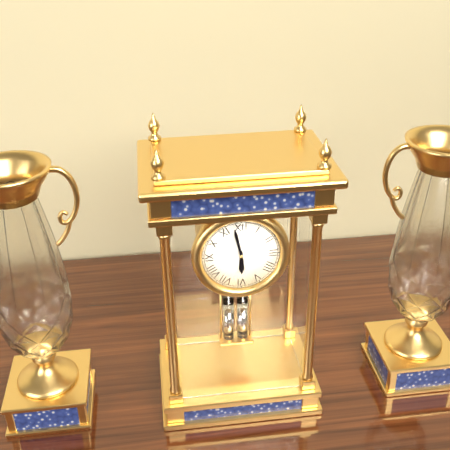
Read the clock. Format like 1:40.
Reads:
5:58
